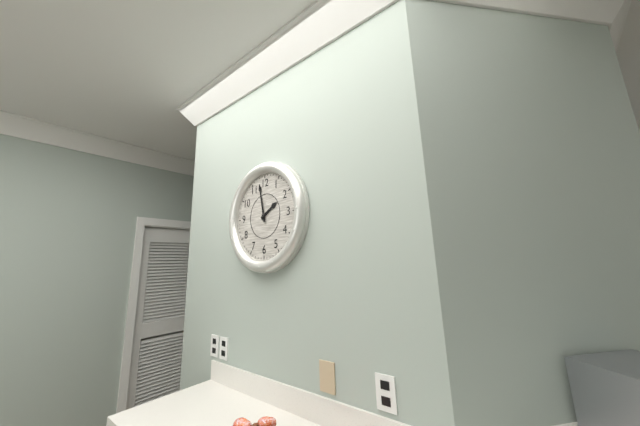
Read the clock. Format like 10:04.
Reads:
1:58
